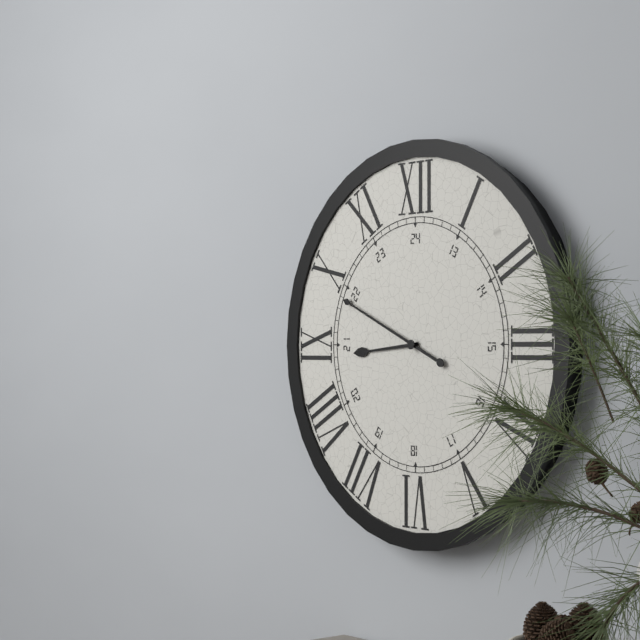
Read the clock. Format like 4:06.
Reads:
8:49
